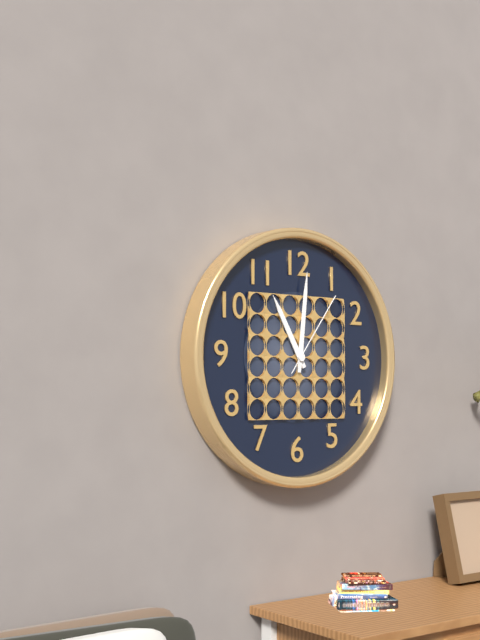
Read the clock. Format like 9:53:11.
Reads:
11:01:06
